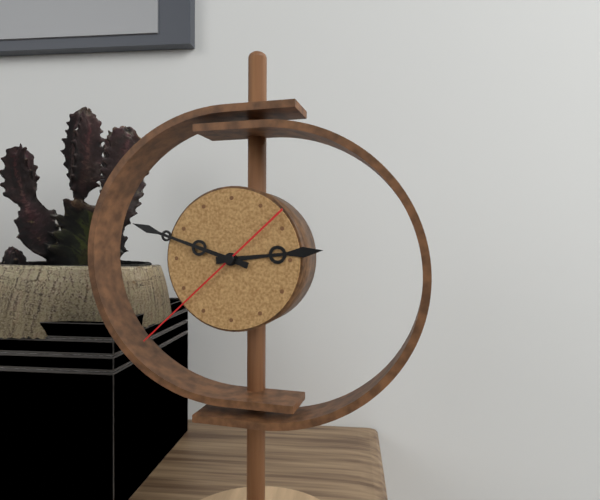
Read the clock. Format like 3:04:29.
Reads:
2:48:38
